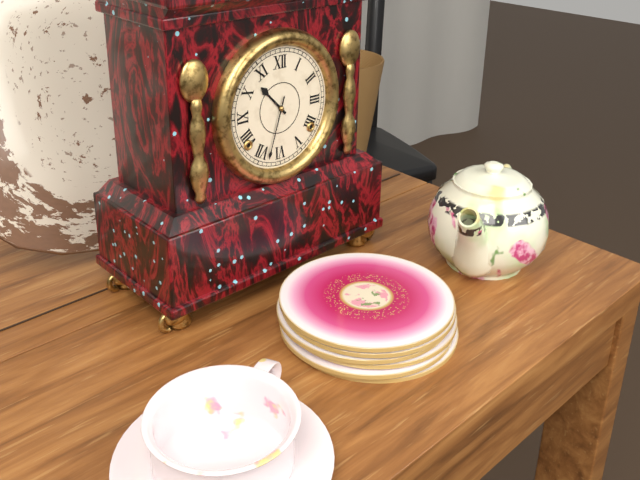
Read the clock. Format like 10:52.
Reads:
10:33
